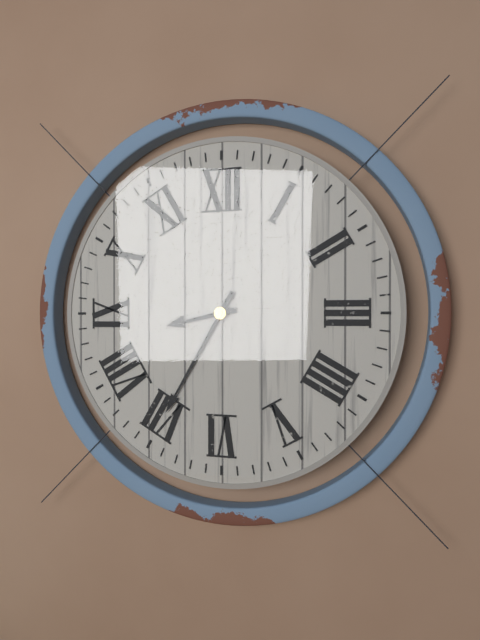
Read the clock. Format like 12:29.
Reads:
8:35
